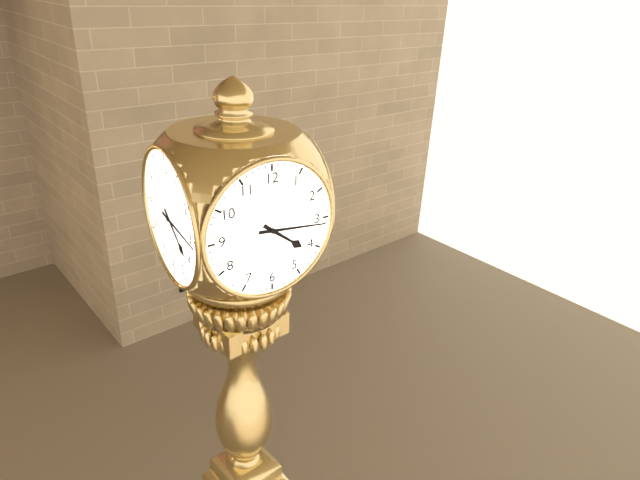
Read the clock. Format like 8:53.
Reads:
4:16
